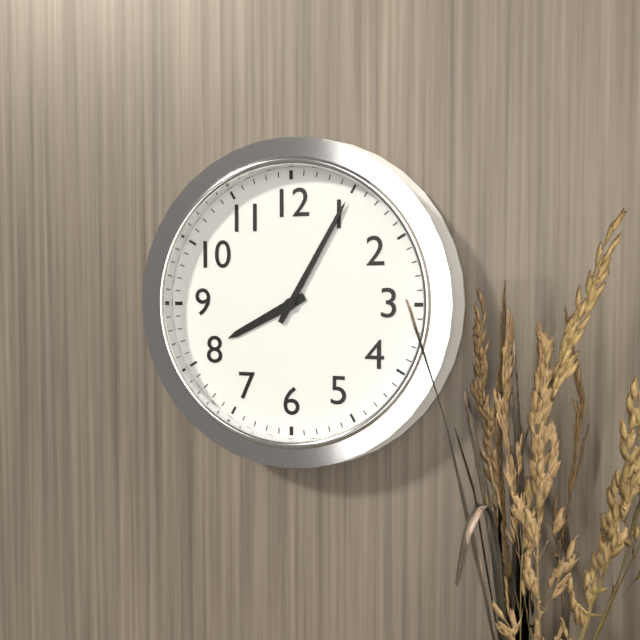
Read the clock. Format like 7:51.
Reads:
8:05
